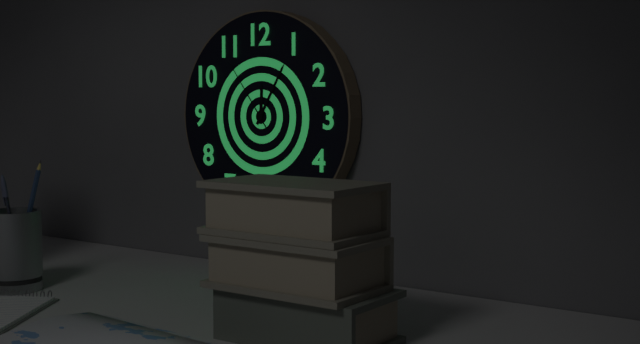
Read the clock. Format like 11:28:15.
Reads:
12:05:54
